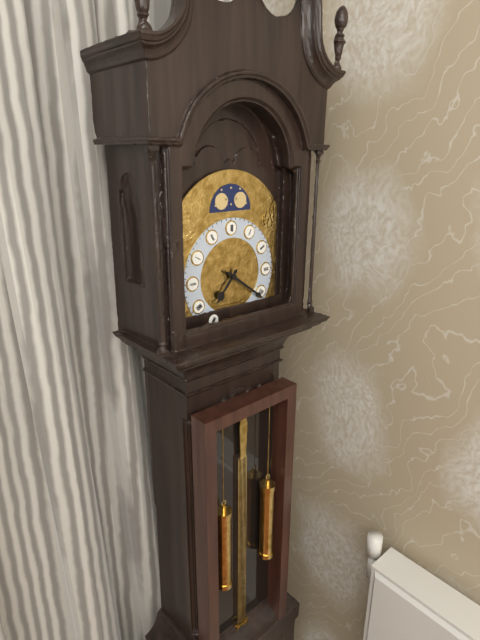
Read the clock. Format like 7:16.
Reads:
7:21
